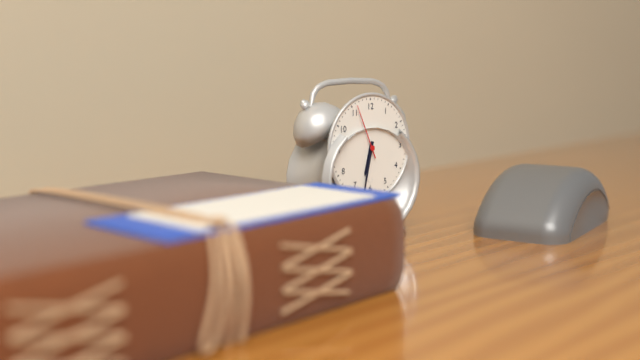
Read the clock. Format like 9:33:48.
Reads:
6:32:56
